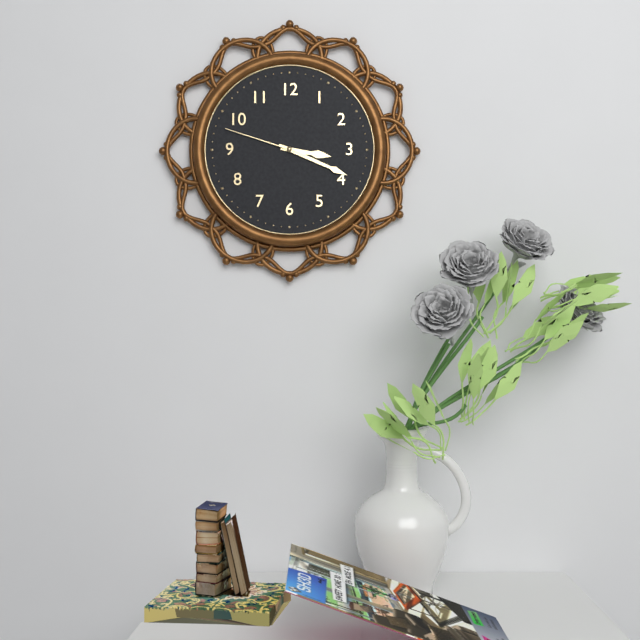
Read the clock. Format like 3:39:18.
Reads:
3:19:48
